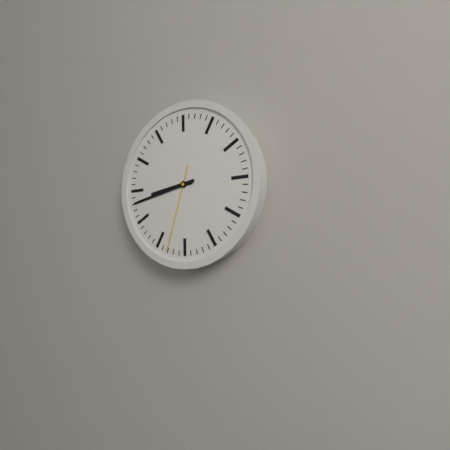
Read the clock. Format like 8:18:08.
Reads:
8:43:33
